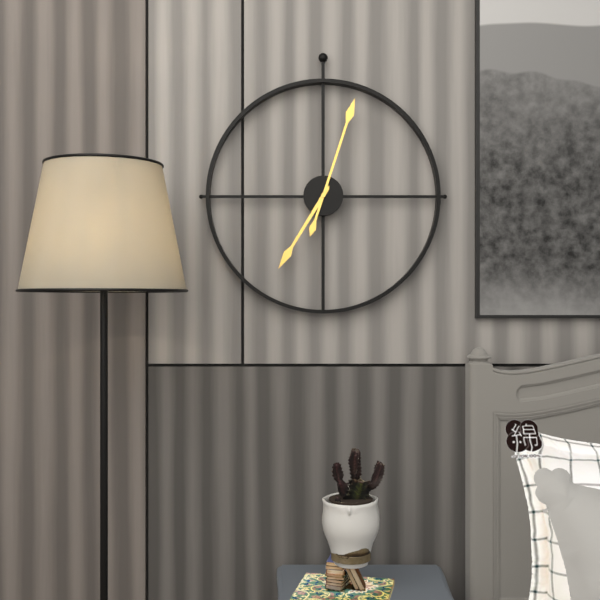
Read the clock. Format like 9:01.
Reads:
7:03
